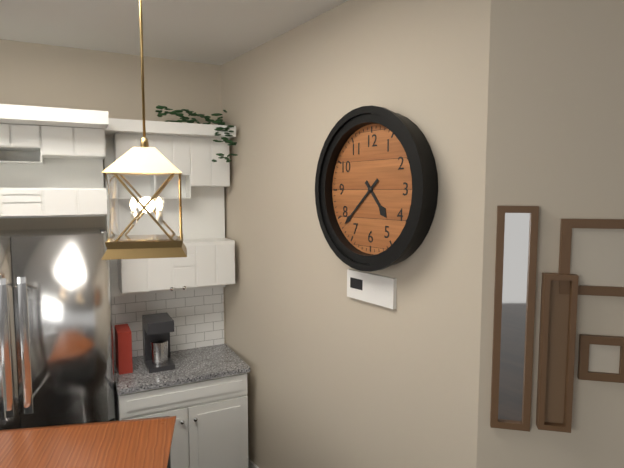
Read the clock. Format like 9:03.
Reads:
4:38
